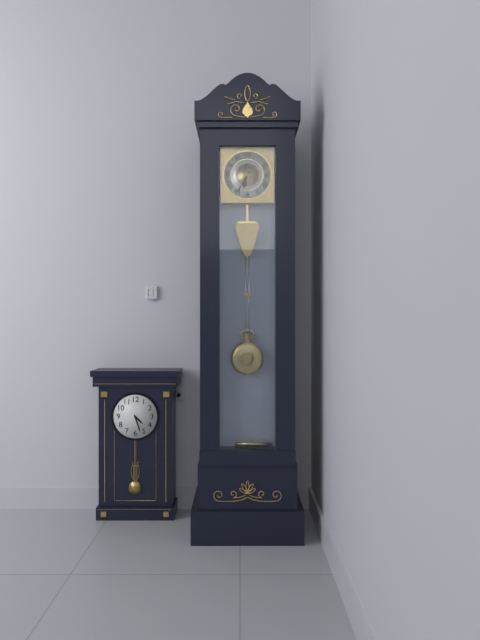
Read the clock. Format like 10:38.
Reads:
6:35
